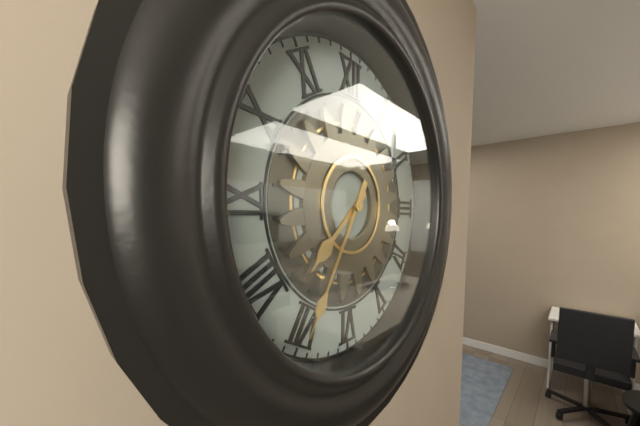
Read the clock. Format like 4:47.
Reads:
7:35
